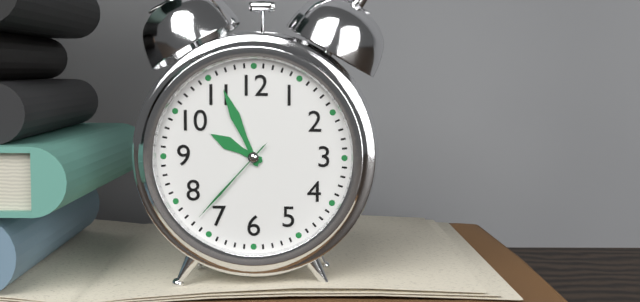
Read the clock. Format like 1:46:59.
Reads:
9:56:37
